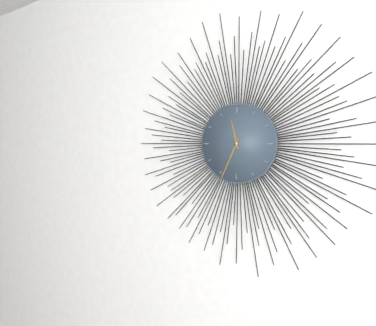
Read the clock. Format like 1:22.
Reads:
11:34
